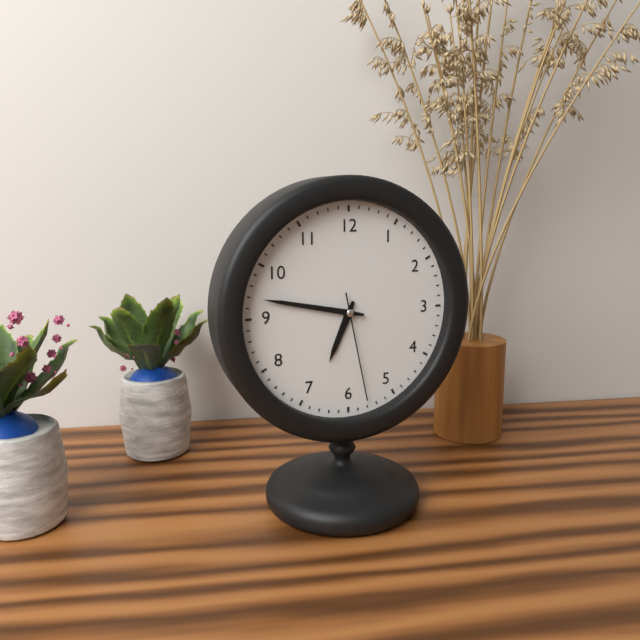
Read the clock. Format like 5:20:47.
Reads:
6:47:28
